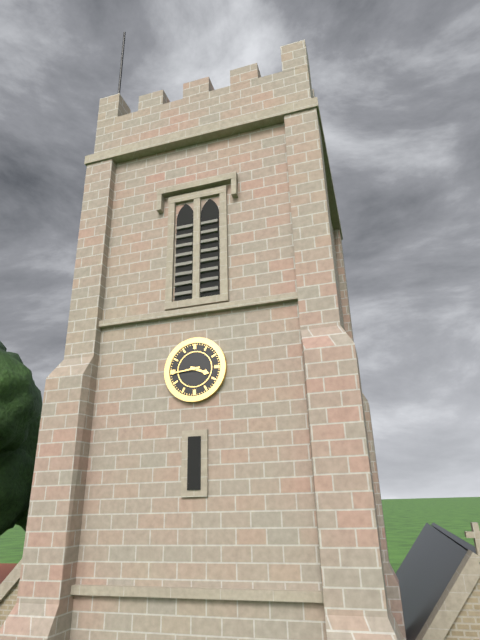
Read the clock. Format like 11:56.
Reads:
3:44
